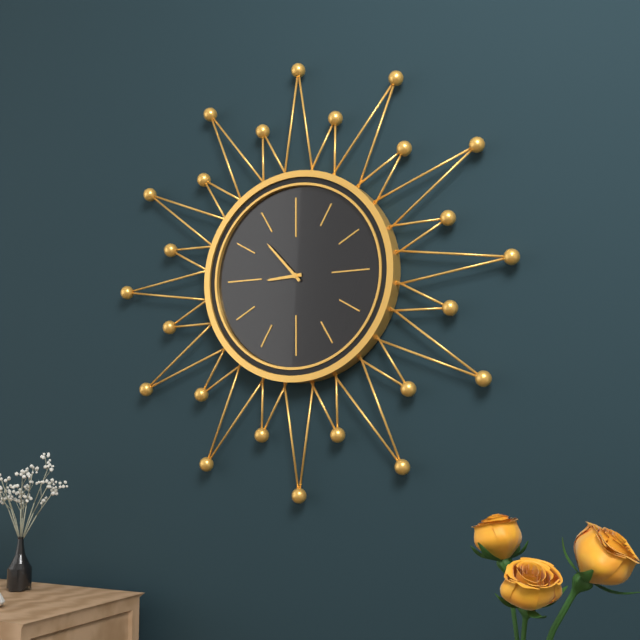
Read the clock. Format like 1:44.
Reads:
8:53
